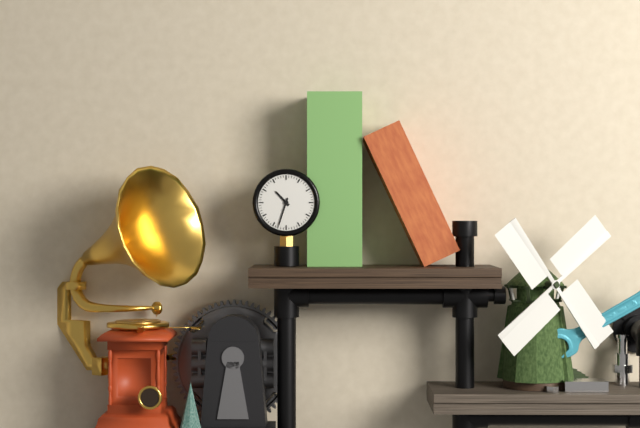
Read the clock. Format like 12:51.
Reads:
10:33
